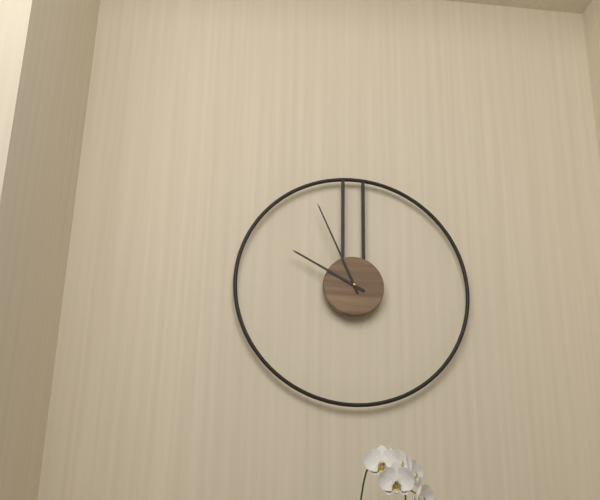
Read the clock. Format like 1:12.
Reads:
9:56
